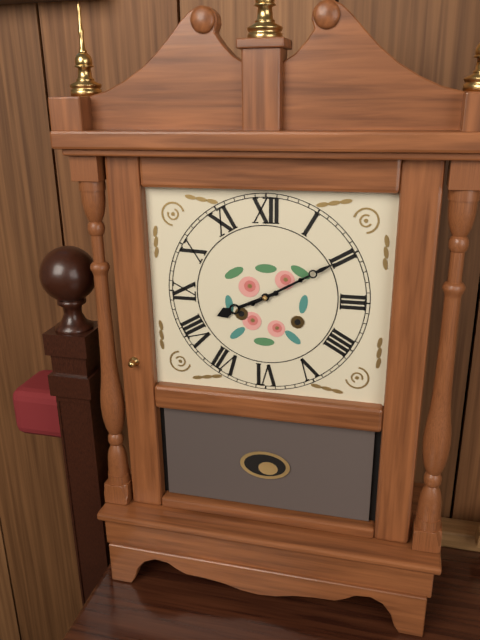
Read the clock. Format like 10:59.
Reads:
8:10
